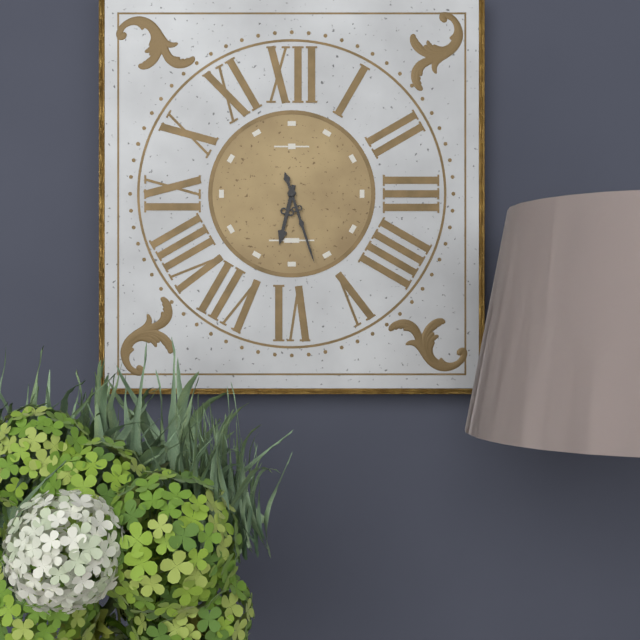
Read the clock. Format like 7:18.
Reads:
6:27
